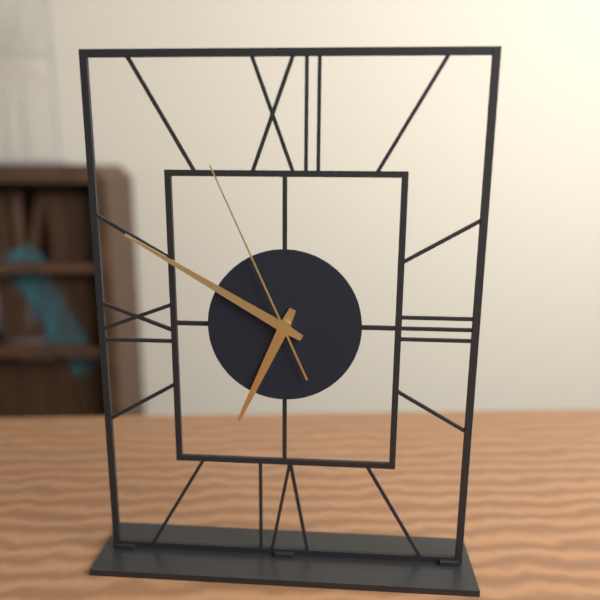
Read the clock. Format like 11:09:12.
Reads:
6:50:56
